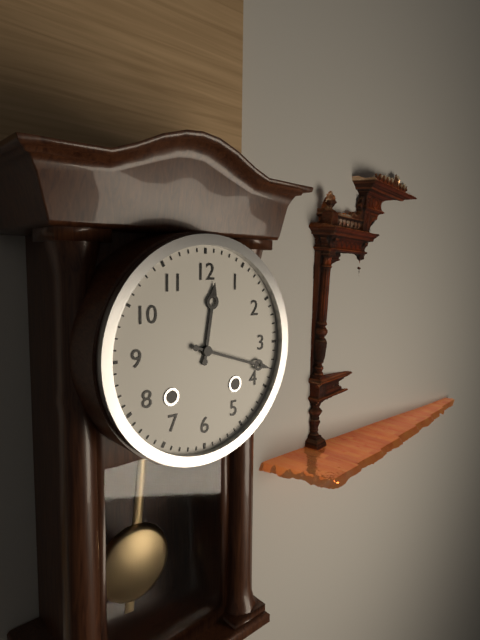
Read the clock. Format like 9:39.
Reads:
12:18
